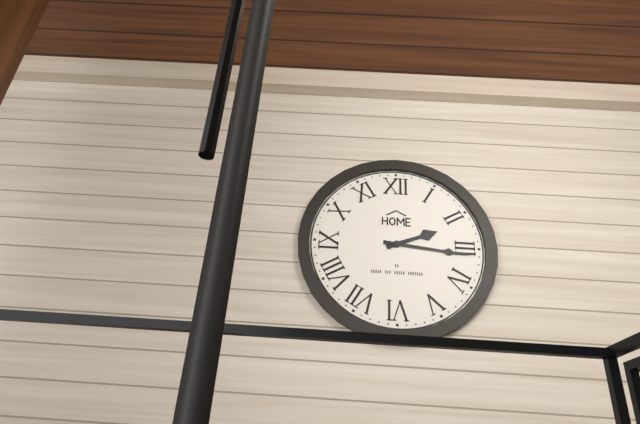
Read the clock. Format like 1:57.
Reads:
2:16
